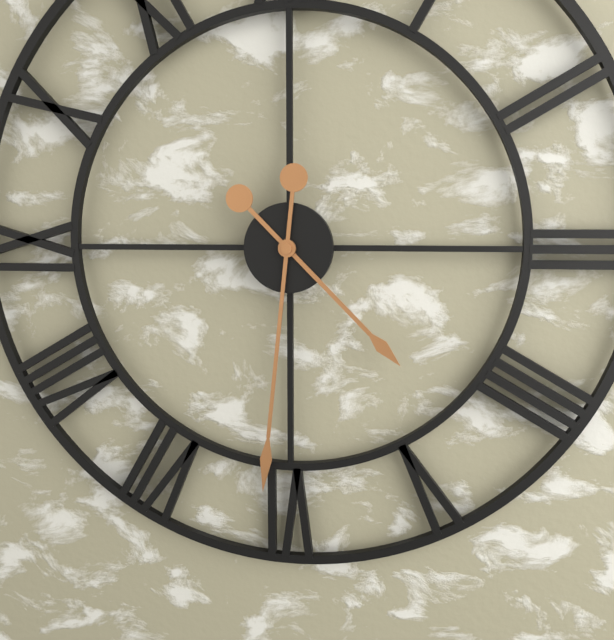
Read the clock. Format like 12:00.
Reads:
4:31
